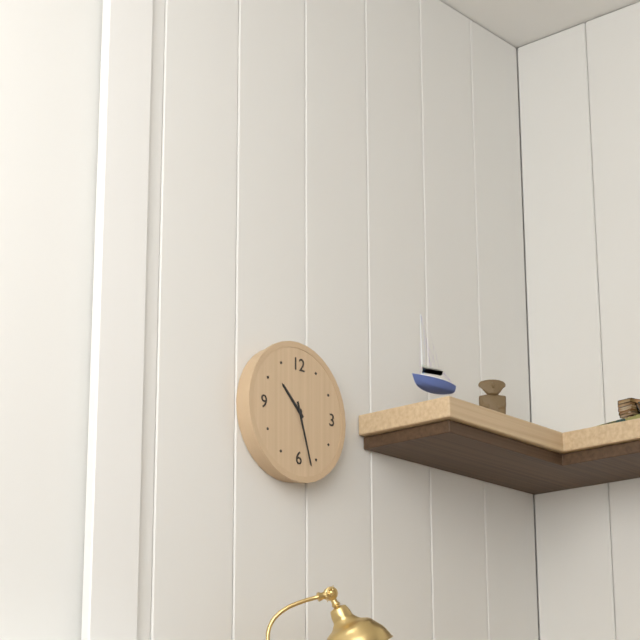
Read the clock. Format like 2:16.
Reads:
10:27
